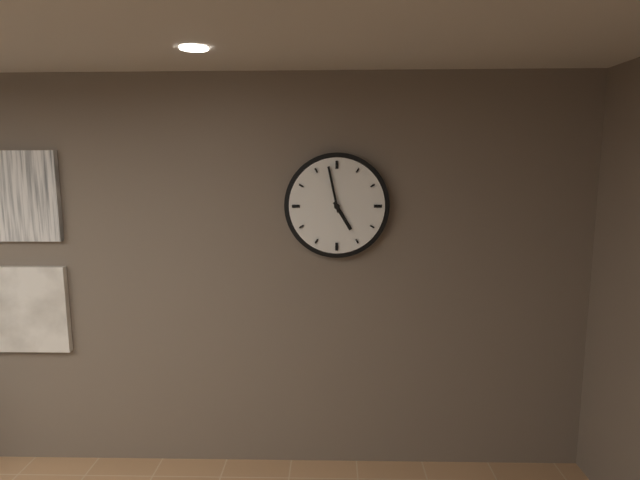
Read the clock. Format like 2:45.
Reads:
4:58
